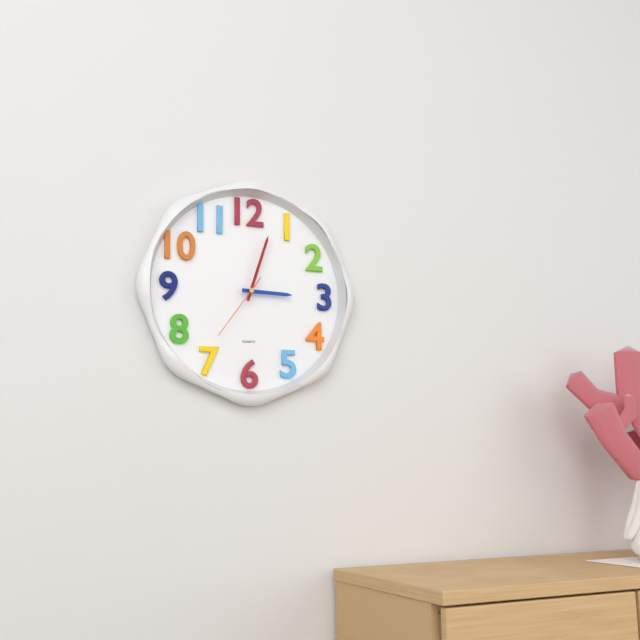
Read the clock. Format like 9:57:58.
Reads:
3:03:36
